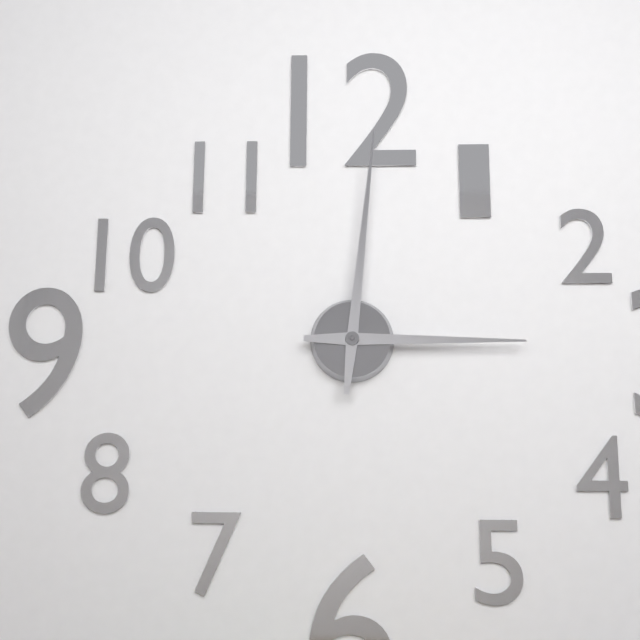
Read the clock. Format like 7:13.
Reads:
3:01
